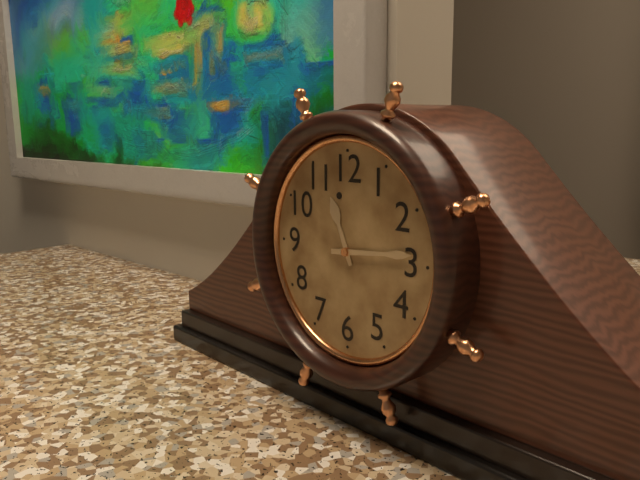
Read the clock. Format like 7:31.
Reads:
11:14
